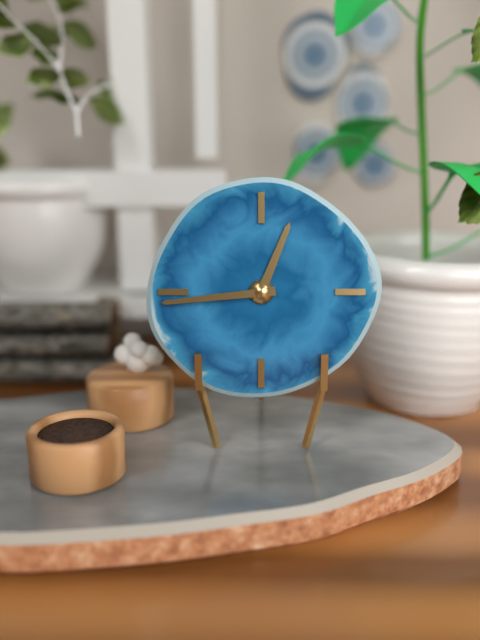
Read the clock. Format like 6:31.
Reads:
12:44
